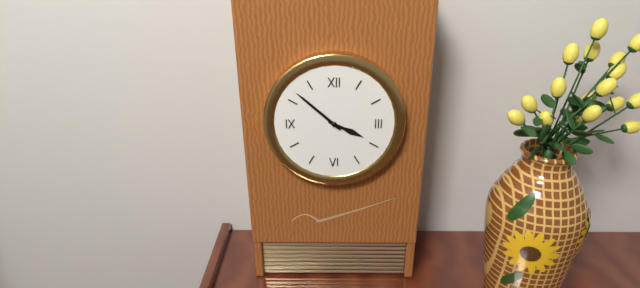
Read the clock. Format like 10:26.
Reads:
3:52
